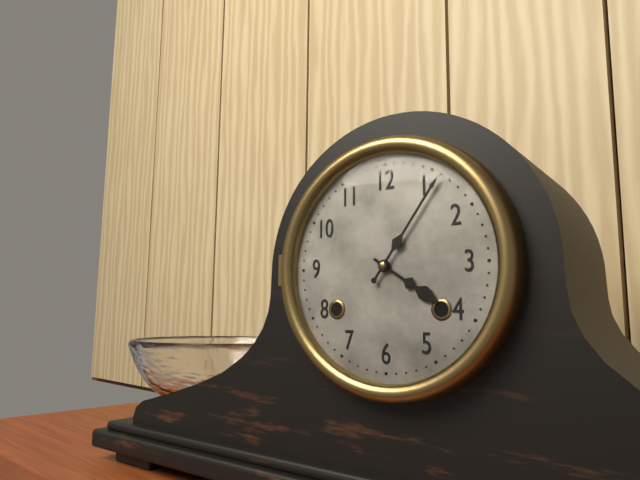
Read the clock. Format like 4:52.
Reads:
4:06
